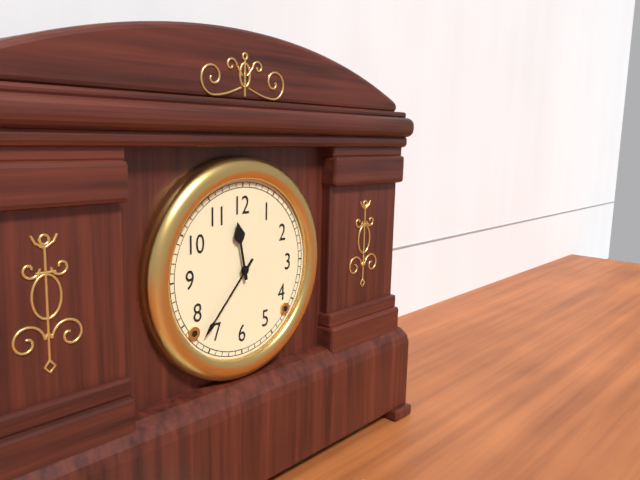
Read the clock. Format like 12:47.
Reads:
11:37
